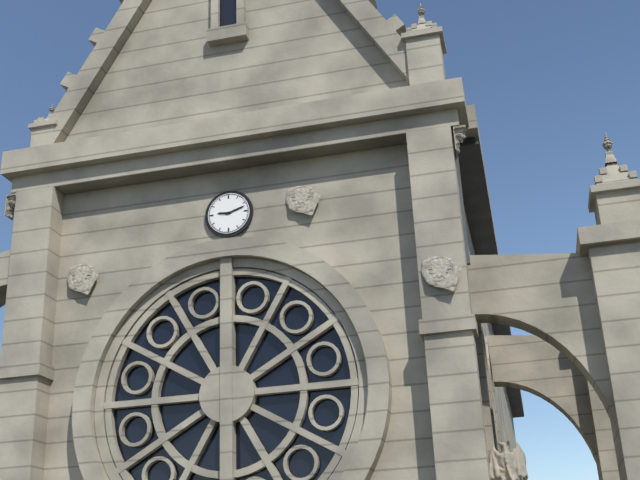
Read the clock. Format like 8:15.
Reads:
9:12
